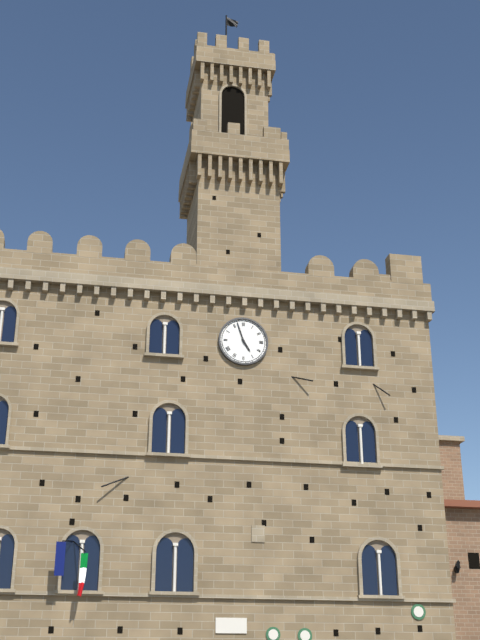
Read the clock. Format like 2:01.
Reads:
4:57
